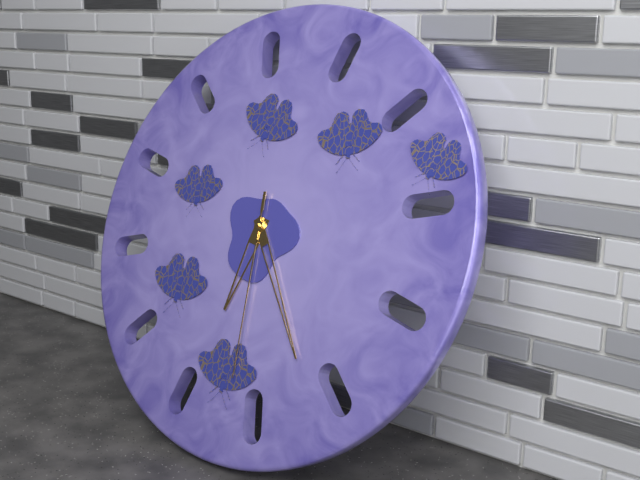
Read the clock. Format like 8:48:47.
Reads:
6:24:29
